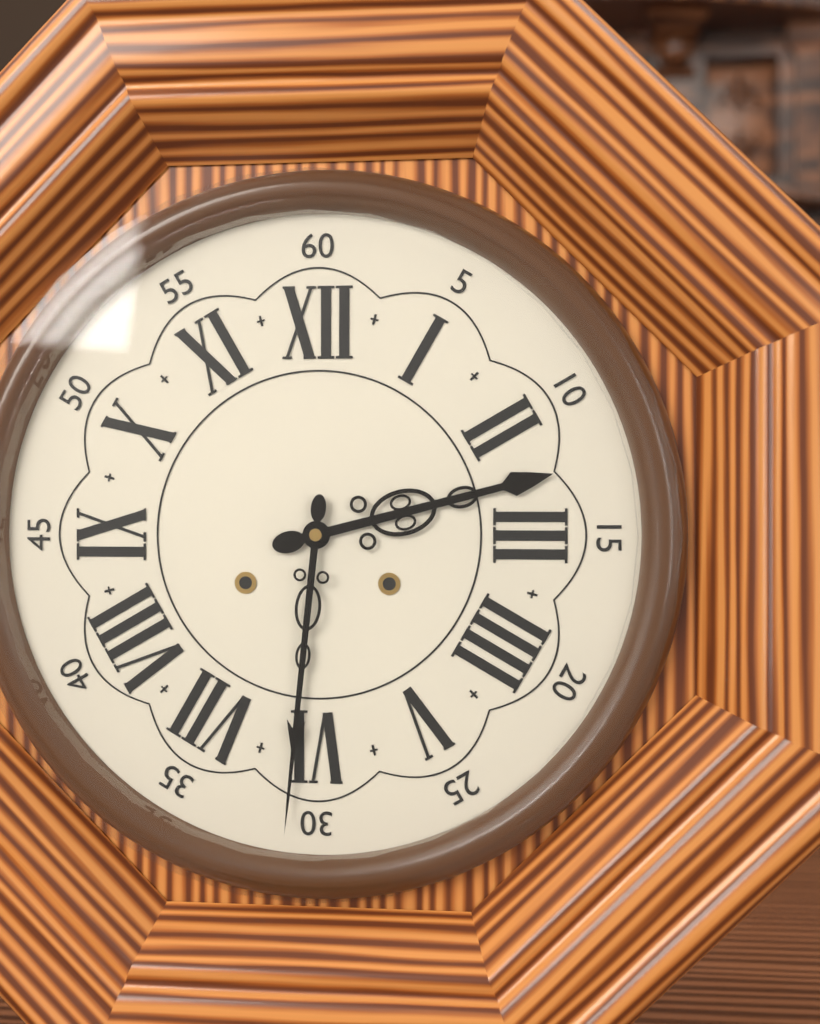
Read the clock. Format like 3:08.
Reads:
2:31
